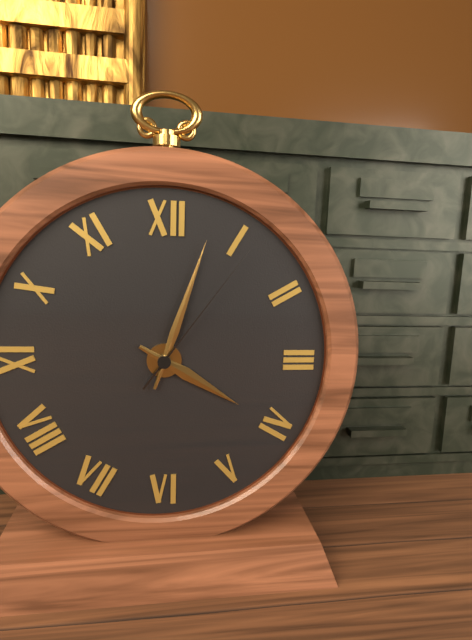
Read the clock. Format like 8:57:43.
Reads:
4:03:06
